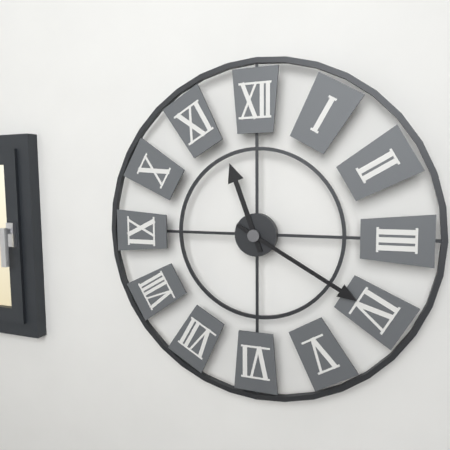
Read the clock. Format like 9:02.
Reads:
11:20
